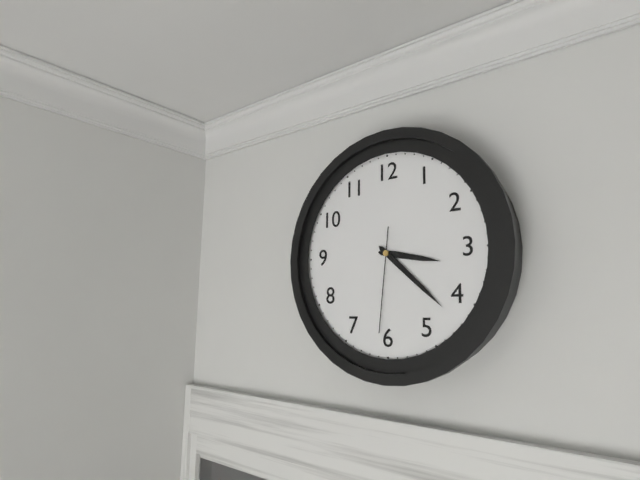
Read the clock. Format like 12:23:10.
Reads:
3:22:31
